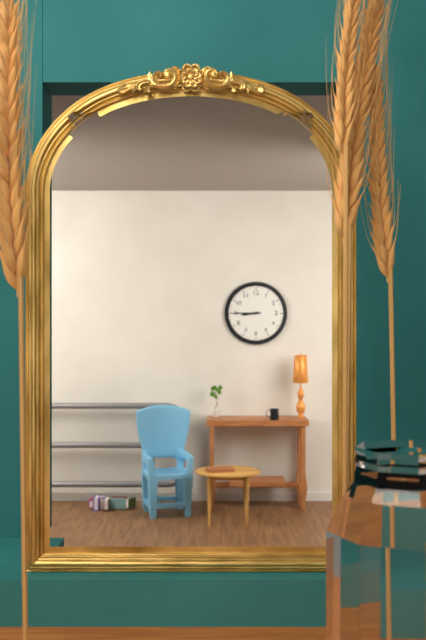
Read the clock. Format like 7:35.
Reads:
8:45
